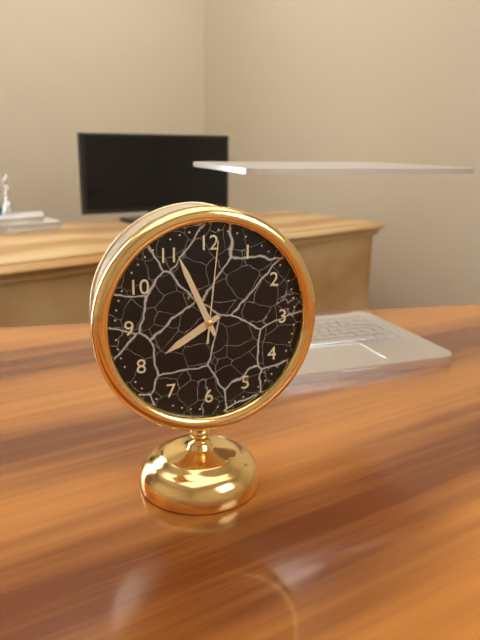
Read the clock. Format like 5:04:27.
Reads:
7:56:01
